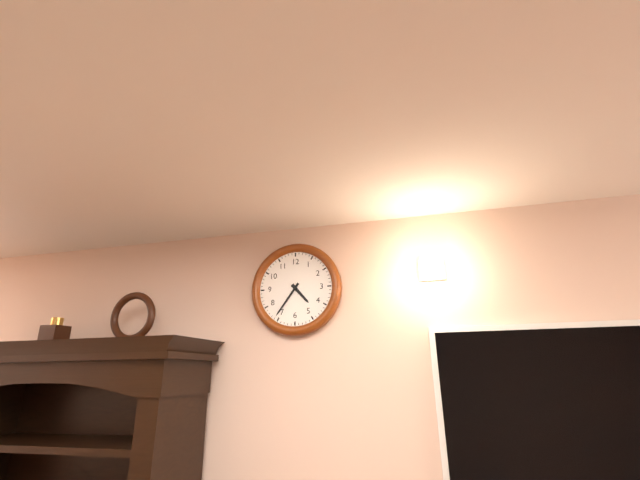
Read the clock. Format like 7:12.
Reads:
4:36
